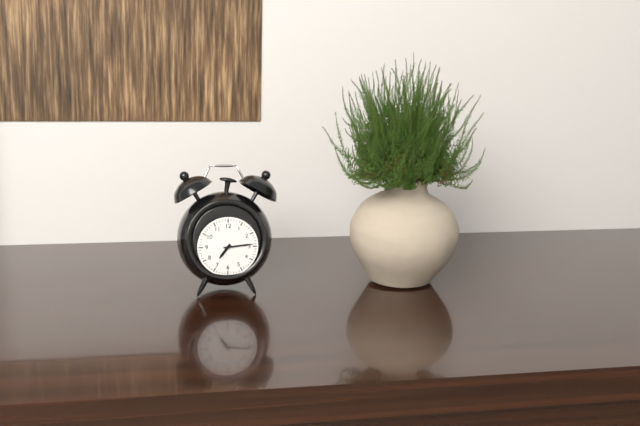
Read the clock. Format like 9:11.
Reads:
7:14
